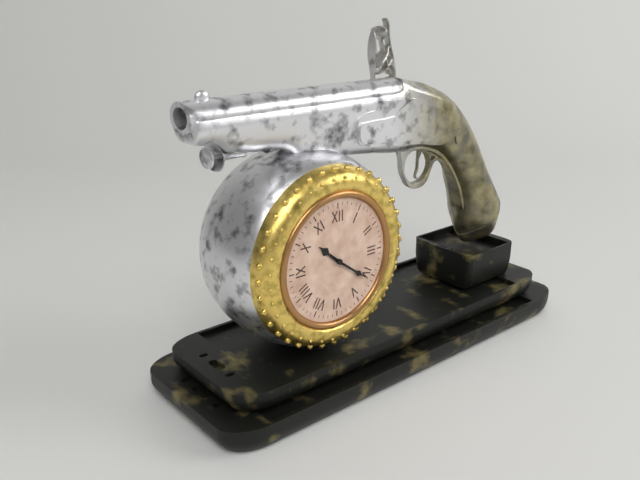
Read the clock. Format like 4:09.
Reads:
10:21
